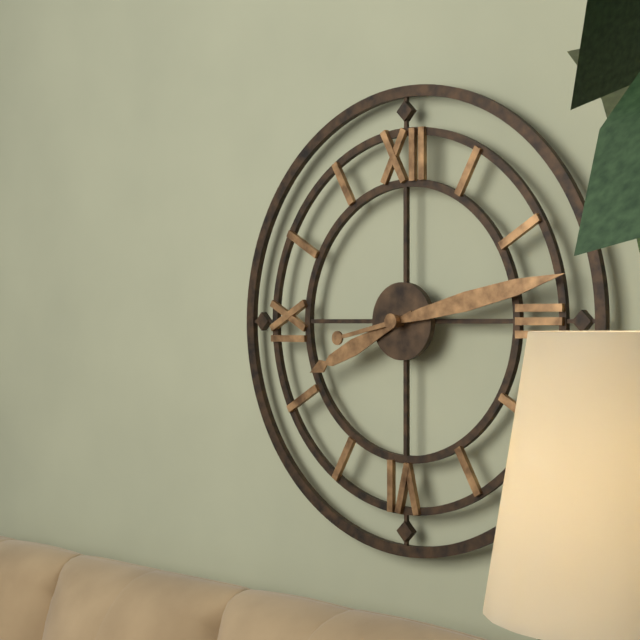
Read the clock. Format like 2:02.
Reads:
8:13
